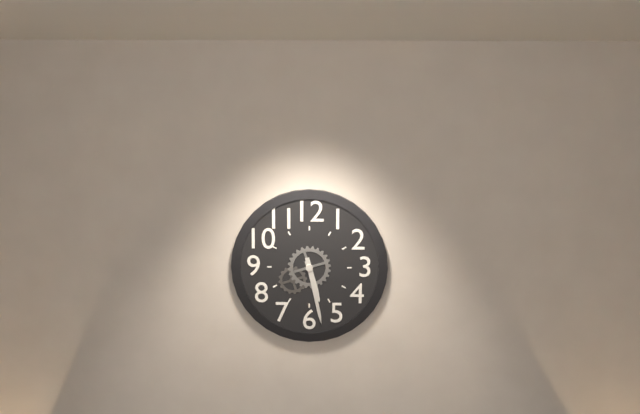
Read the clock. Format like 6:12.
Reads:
5:28
